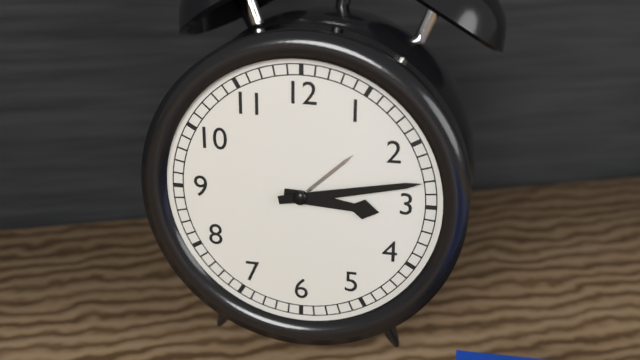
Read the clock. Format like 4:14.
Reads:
3:13
